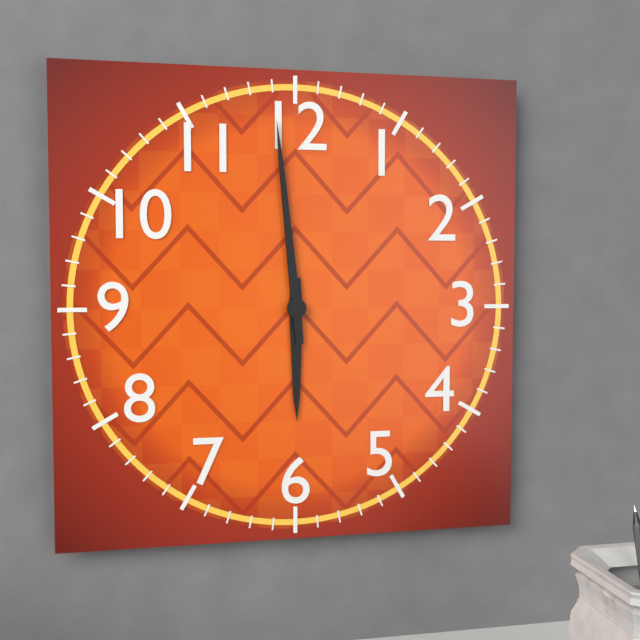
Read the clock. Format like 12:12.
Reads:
5:59
